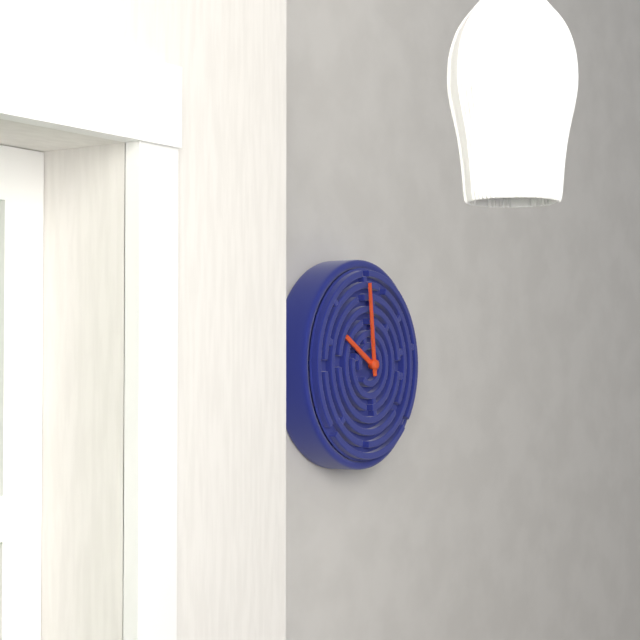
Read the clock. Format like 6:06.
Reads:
9:59
